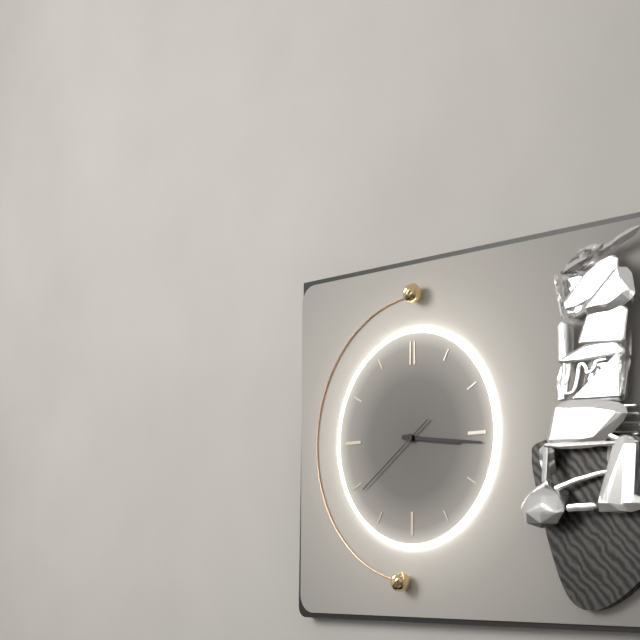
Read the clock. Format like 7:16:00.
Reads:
3:16:39
